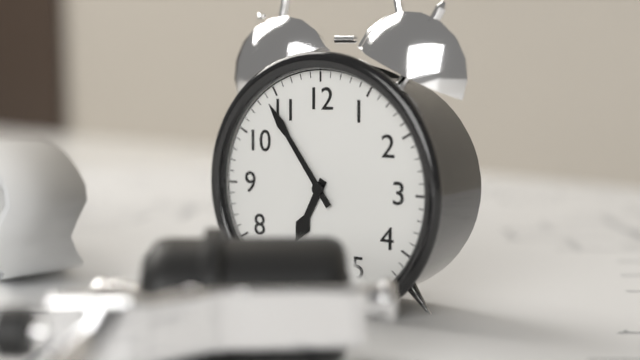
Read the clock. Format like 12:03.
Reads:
6:54
